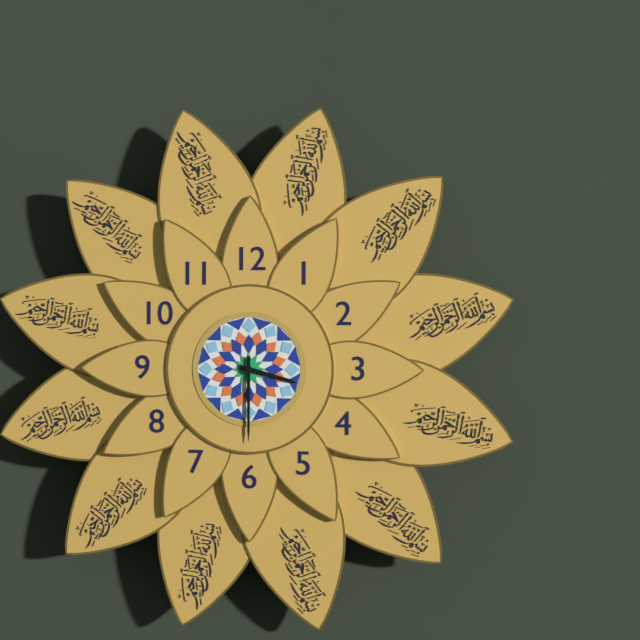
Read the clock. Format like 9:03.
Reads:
3:30
